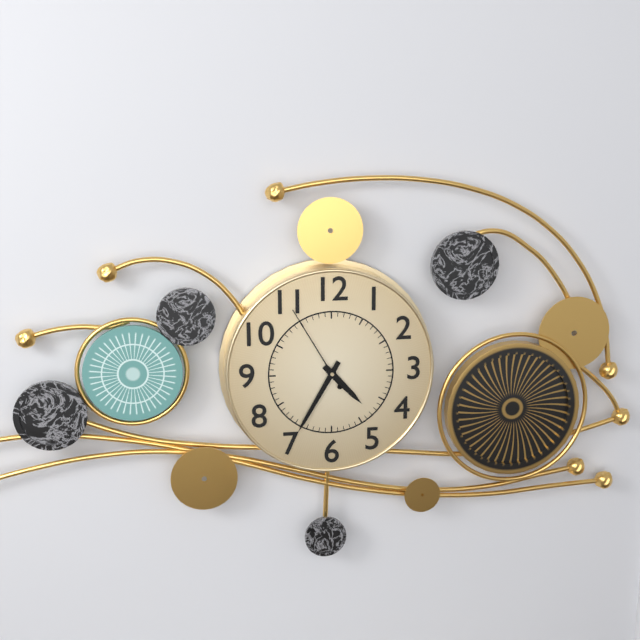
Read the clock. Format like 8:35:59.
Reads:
4:35:55
